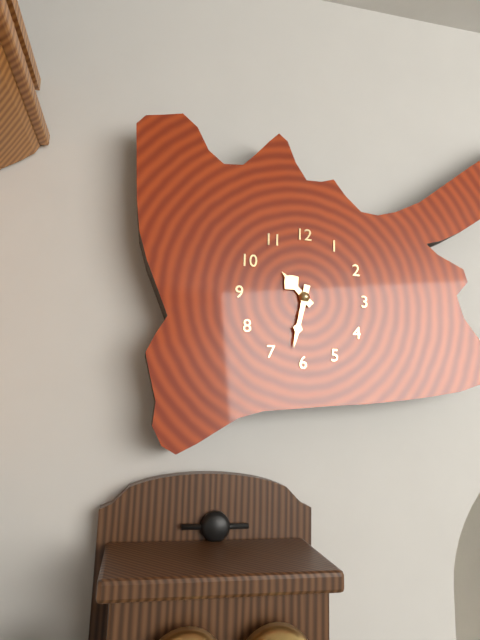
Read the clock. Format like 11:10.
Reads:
10:32
